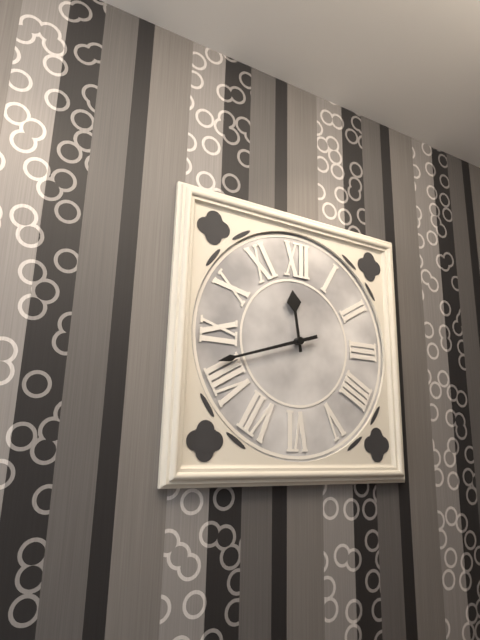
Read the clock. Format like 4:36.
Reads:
11:42
